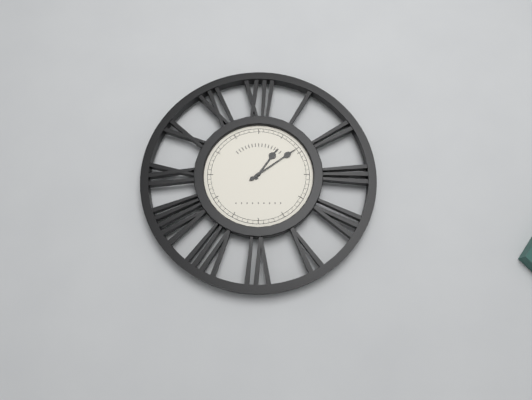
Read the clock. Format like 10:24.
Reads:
1:09
